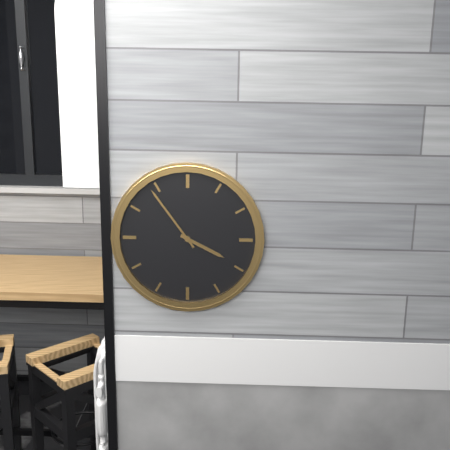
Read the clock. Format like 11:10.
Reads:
3:54
